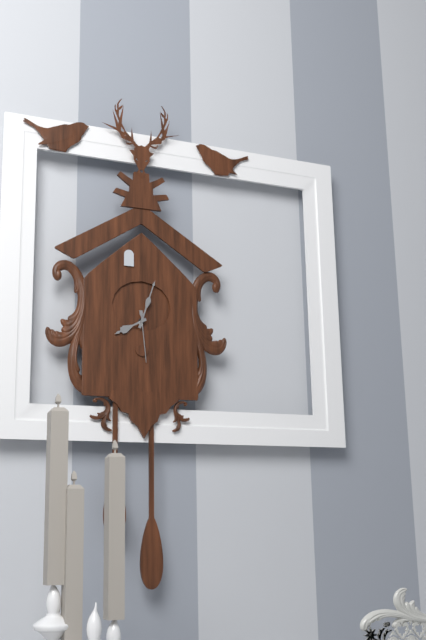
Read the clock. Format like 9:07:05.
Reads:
8:03:29
